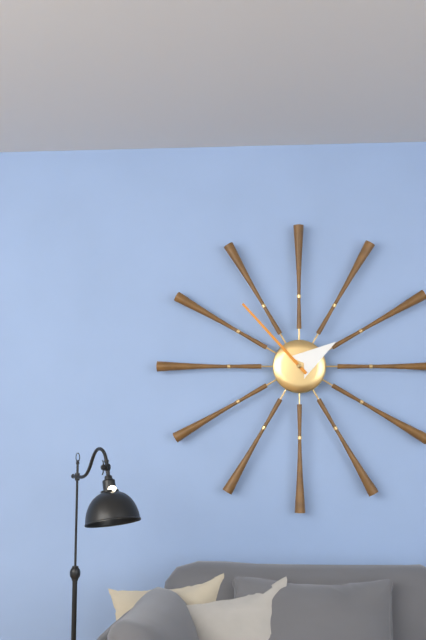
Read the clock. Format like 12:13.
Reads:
1:53
